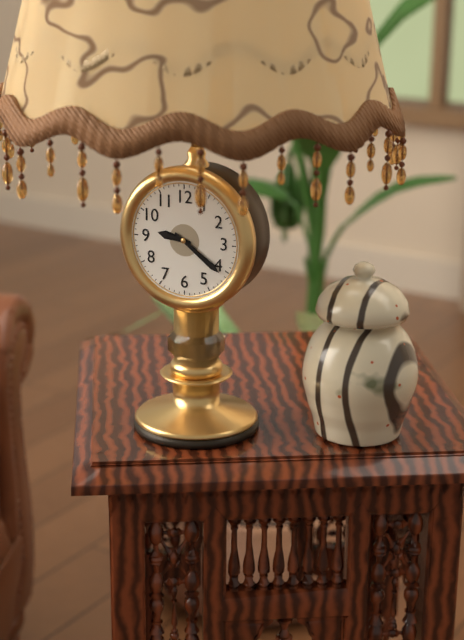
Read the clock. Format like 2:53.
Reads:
9:21
